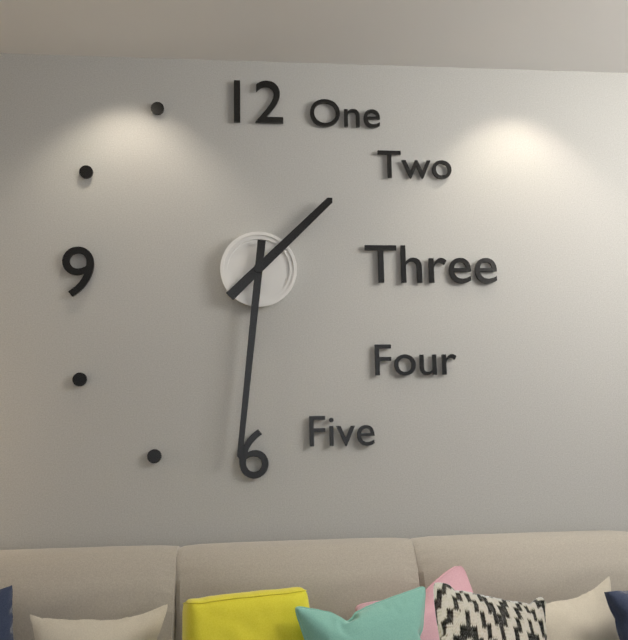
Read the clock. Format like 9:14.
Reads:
1:31
